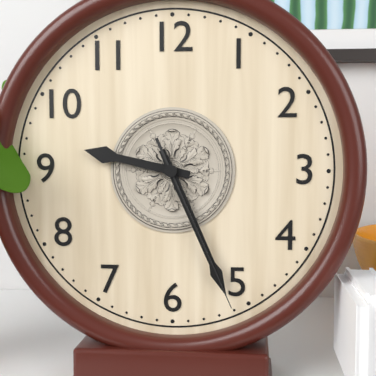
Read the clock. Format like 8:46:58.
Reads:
9:26:26
